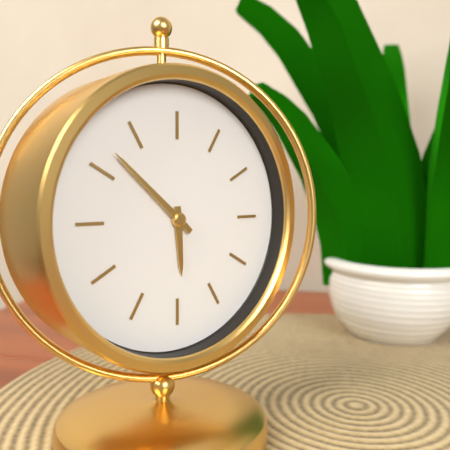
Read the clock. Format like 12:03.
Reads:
5:52
